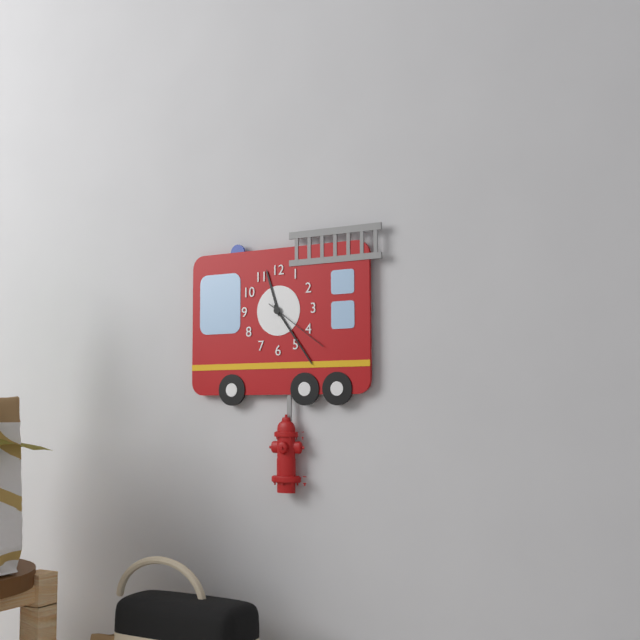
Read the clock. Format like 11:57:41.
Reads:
11:24:21
